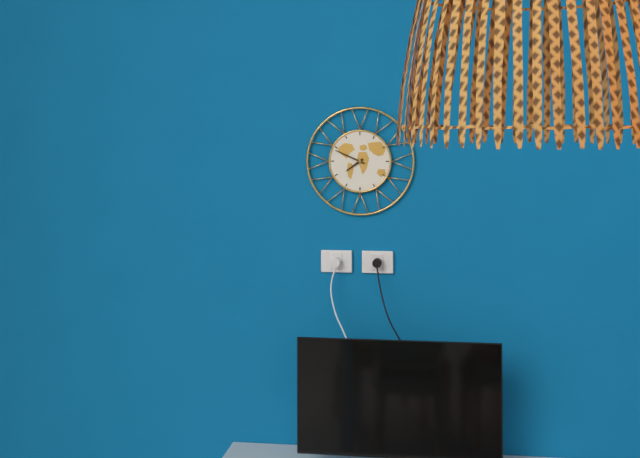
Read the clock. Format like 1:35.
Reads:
7:49
